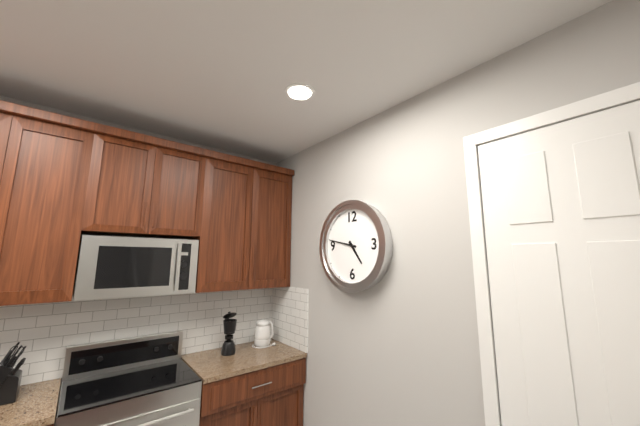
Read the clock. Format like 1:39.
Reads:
4:47
